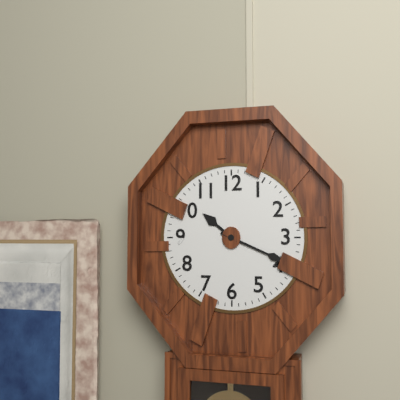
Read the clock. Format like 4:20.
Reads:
10:19
